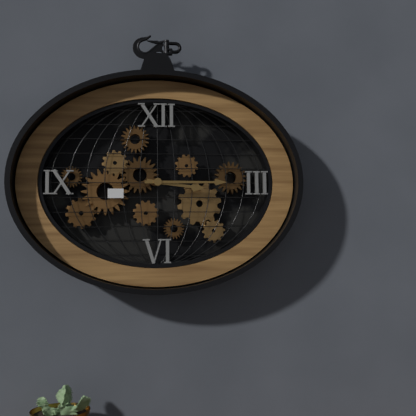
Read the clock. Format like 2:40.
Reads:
3:15
